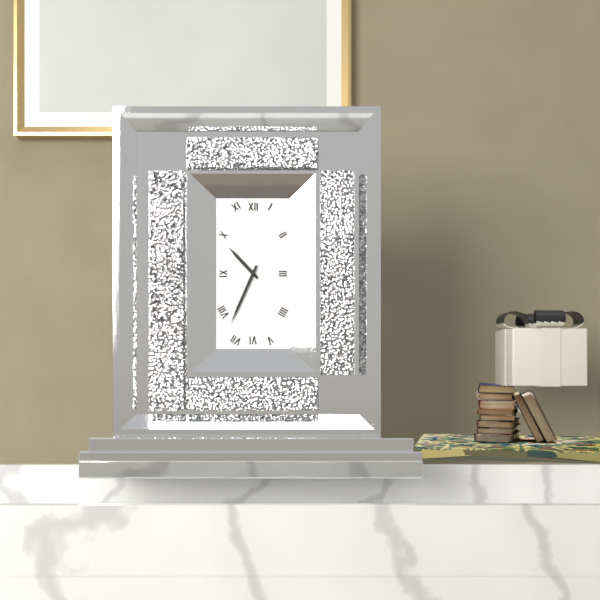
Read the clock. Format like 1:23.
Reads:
10:34
